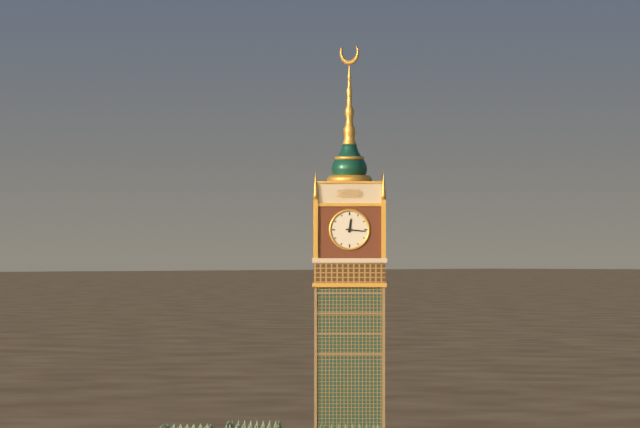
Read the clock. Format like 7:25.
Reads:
12:16
